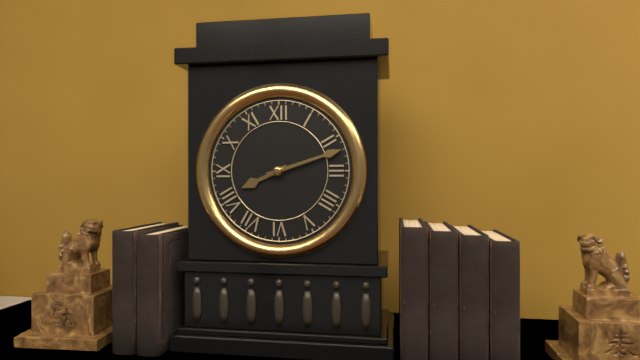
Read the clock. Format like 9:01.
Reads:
8:12
